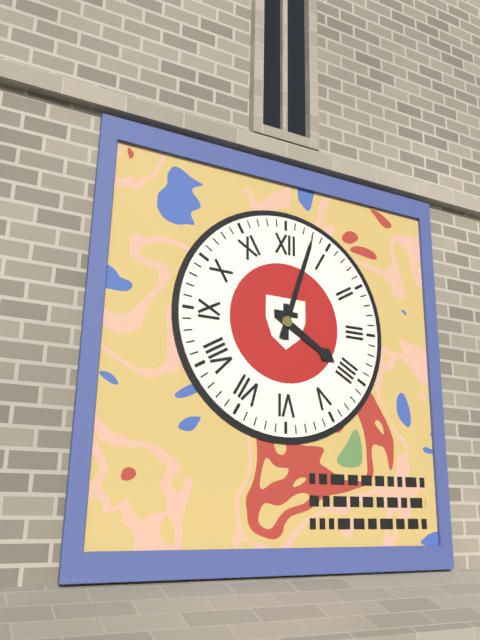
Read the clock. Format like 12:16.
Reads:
4:03
